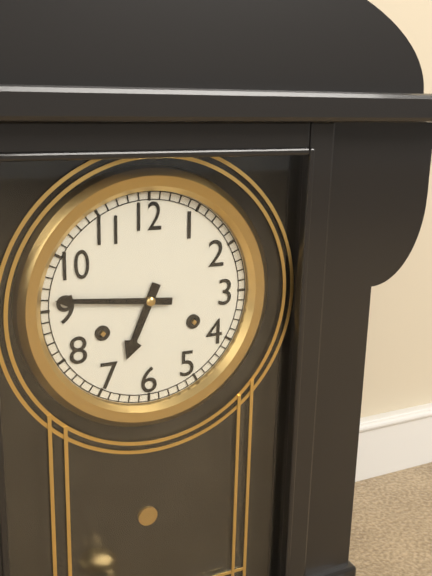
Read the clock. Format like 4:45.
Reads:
6:46
